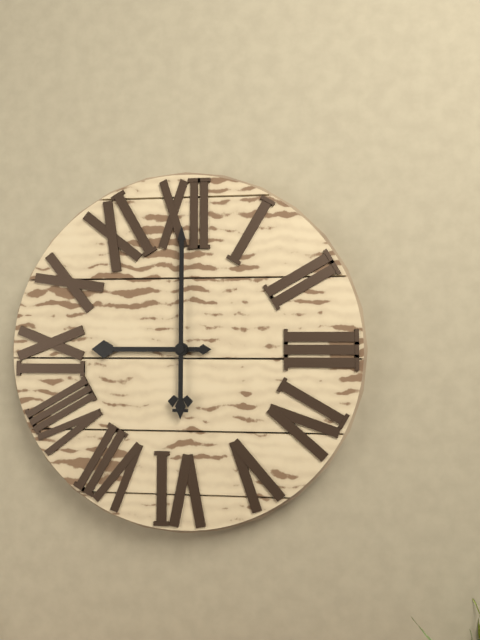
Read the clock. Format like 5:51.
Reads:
9:00
